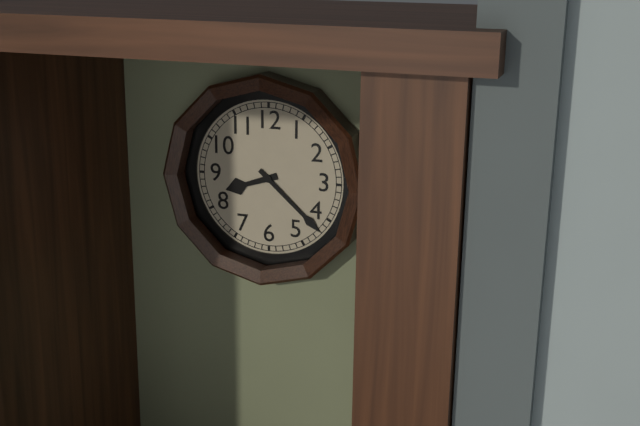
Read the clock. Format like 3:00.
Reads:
8:22
